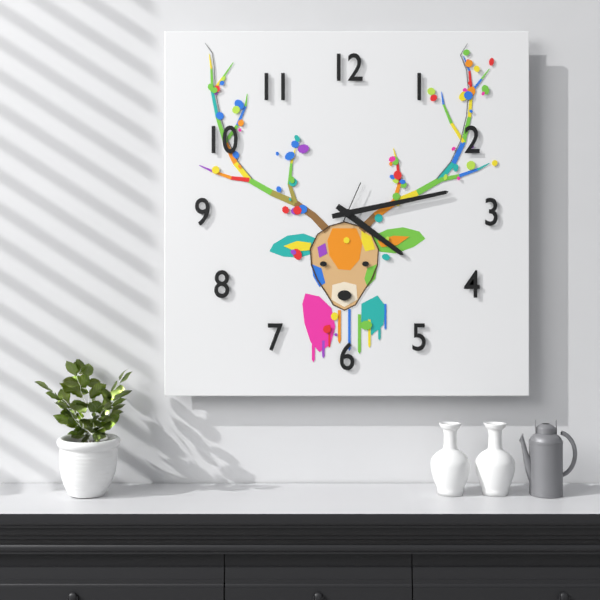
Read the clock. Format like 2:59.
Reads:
4:13
